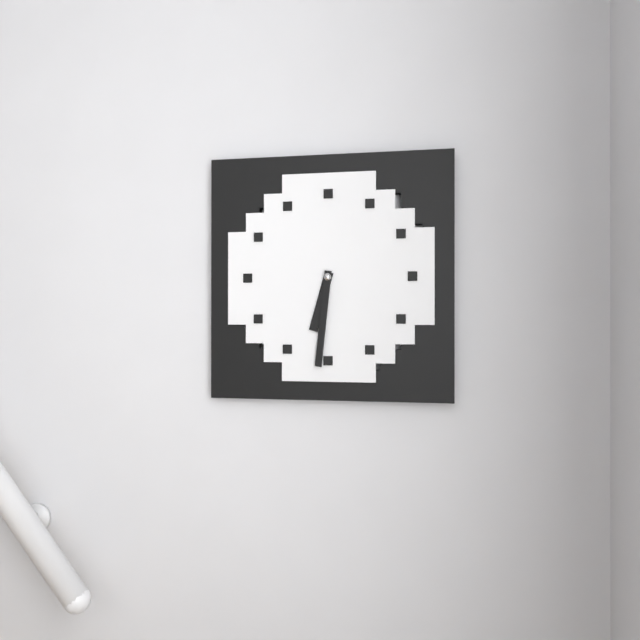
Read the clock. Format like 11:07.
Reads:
6:31
